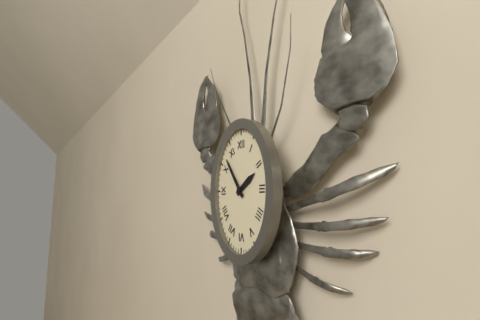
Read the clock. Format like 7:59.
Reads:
1:54
